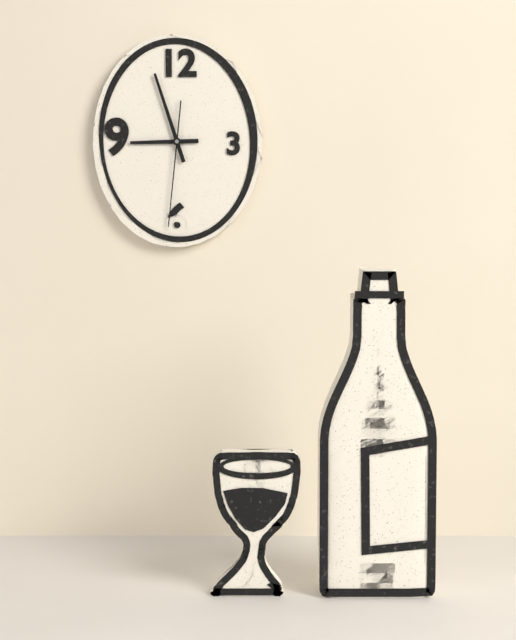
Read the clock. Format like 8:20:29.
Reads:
8:57:31
